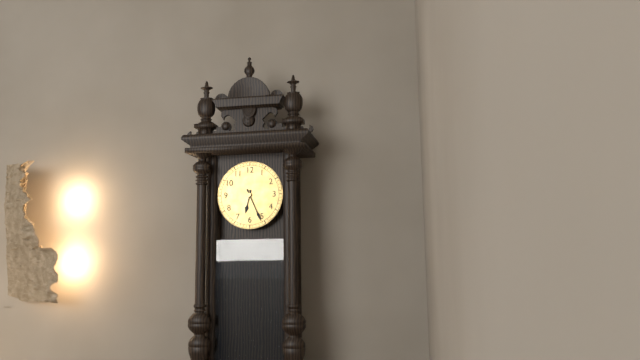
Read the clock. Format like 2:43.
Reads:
6:26
